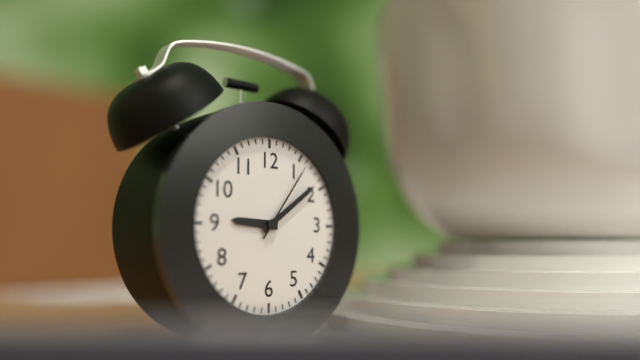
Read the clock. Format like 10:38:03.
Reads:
9:09:06
